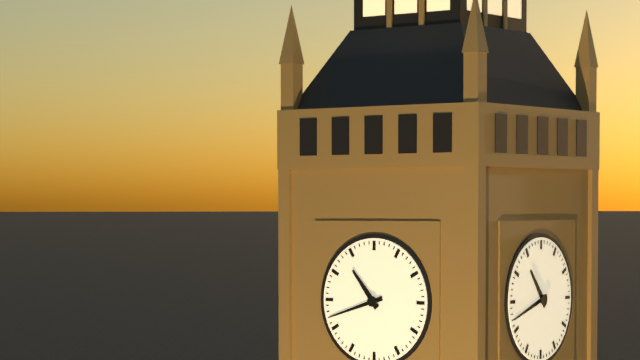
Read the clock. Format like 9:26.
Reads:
10:42
